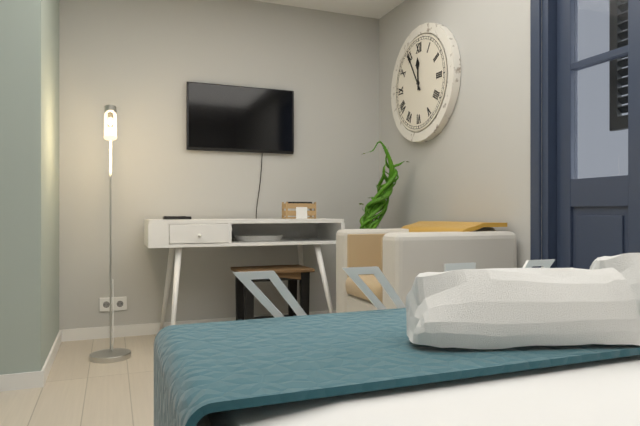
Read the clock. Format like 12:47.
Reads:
11:55
